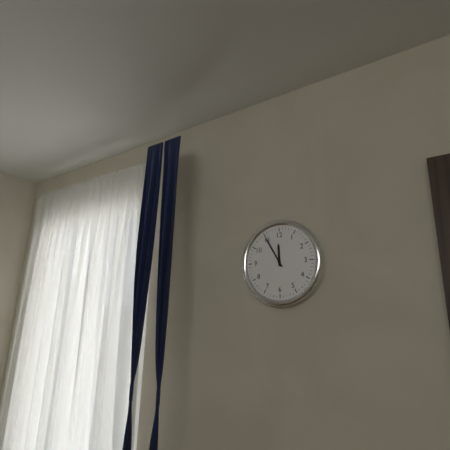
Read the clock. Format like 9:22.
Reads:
11:55
